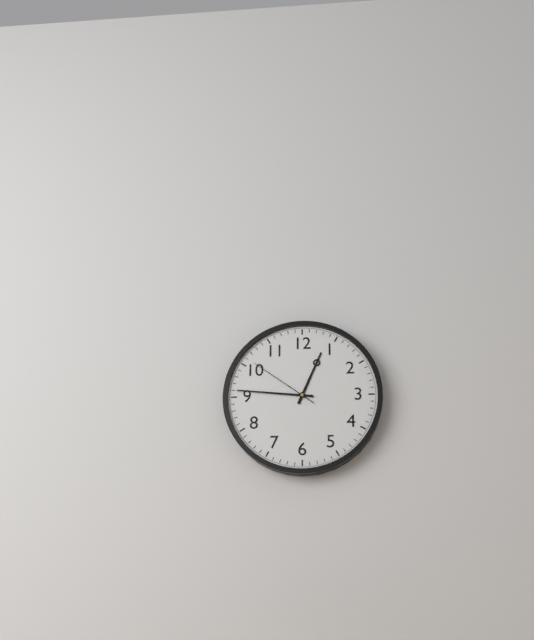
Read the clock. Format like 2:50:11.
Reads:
12:46:51
